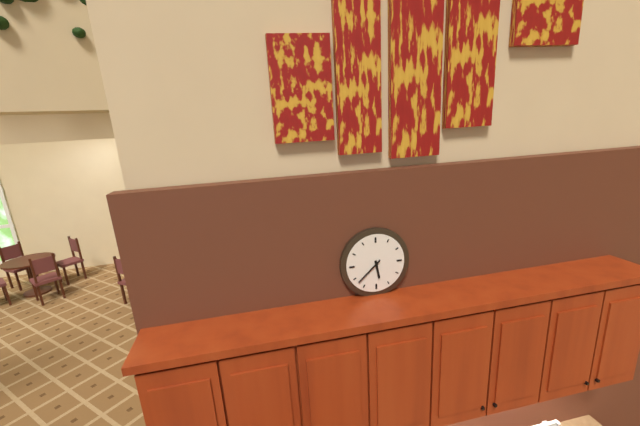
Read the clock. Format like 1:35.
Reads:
5:38
